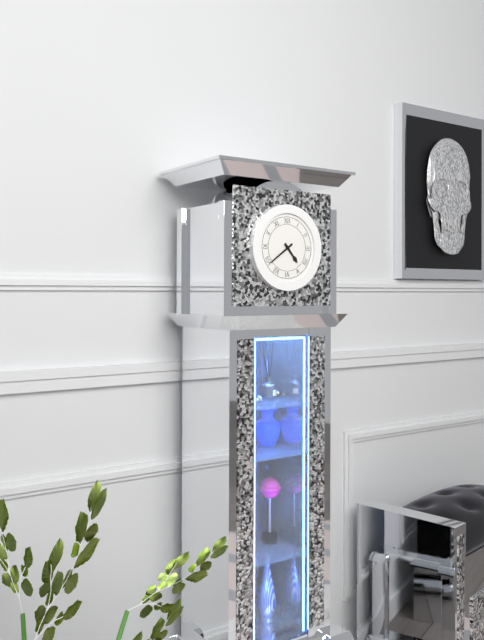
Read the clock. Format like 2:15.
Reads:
4:39
